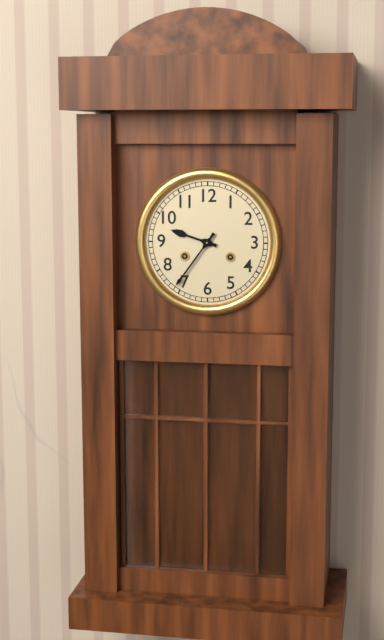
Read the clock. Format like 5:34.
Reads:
9:36
